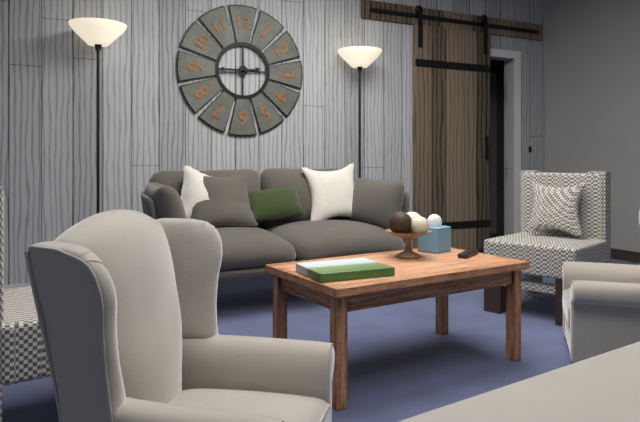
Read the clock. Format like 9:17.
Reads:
2:45
